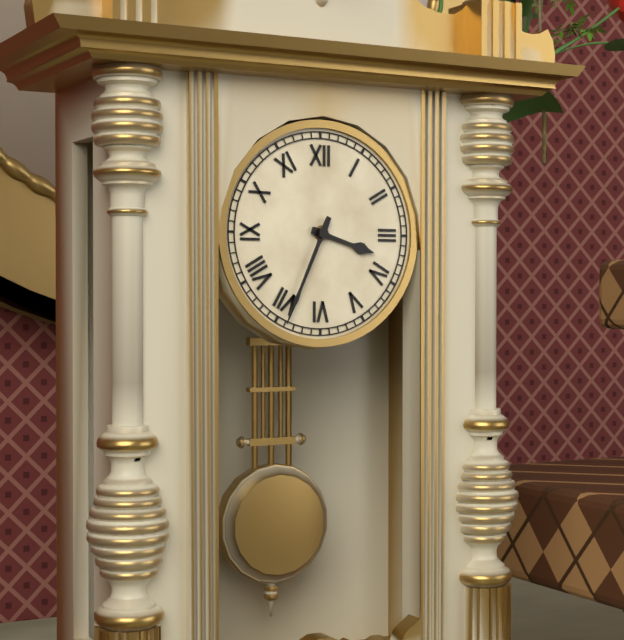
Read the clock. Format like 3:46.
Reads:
3:34
